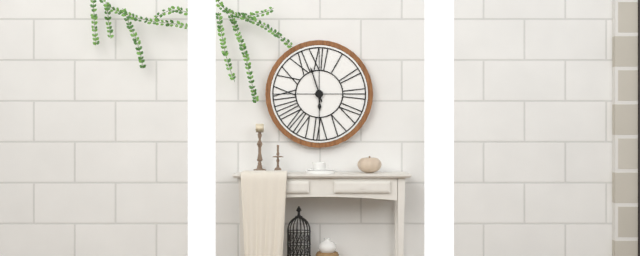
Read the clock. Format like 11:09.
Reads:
5:57
